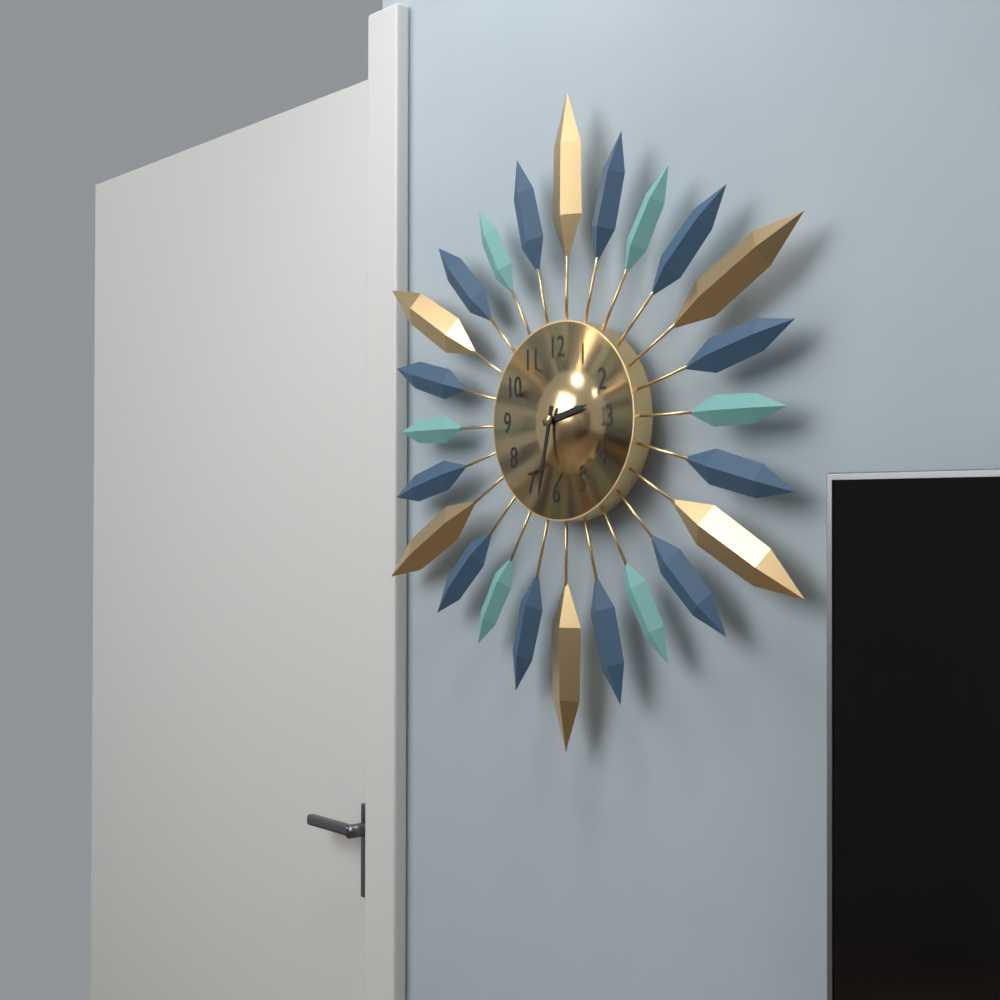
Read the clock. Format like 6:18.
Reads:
2:32
